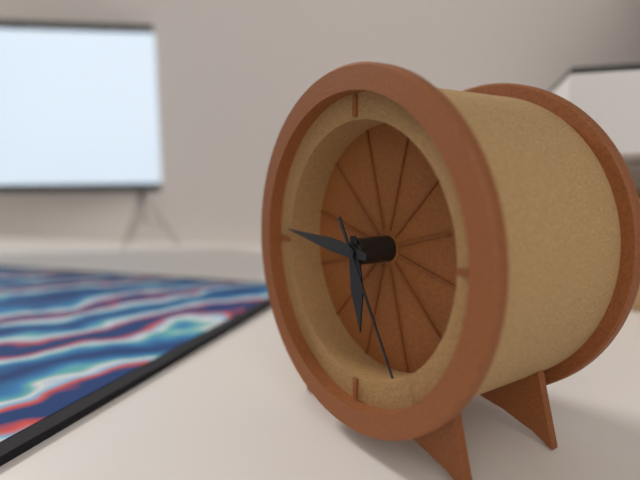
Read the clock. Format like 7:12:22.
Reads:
5:46:25
